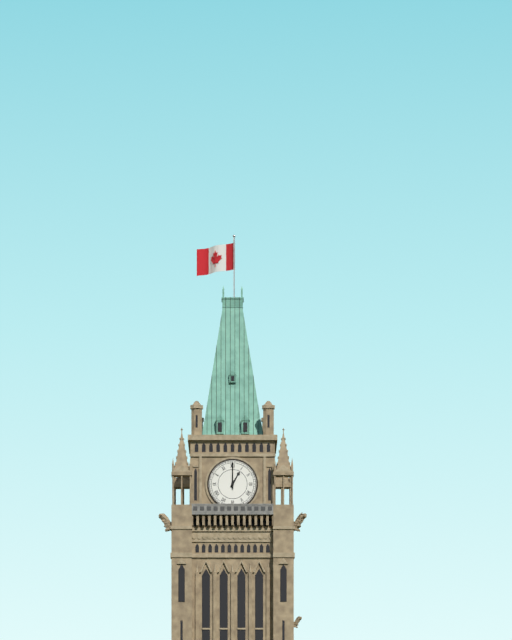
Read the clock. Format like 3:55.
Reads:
1:00
